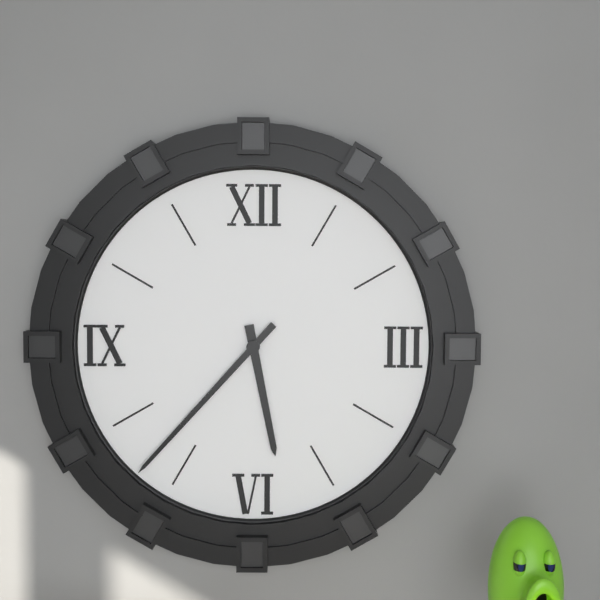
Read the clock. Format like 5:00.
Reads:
5:37
